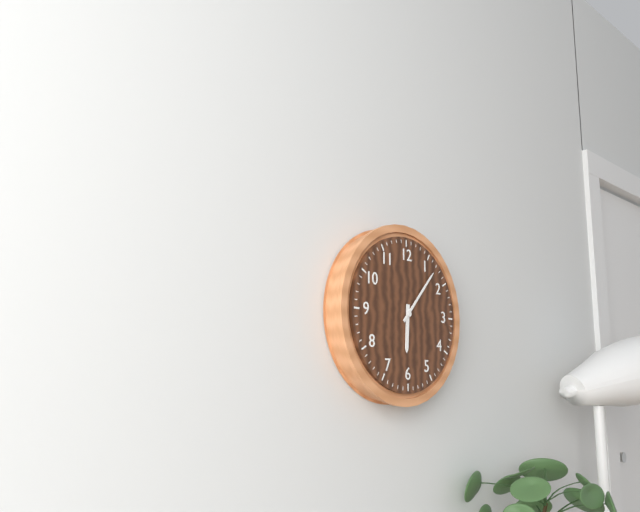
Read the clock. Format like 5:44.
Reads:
6:07
